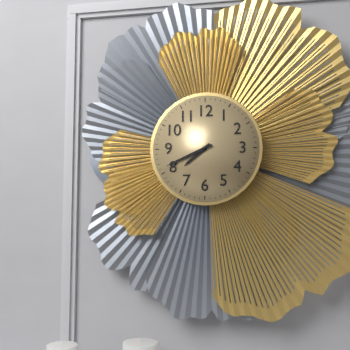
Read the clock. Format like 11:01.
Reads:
7:41
